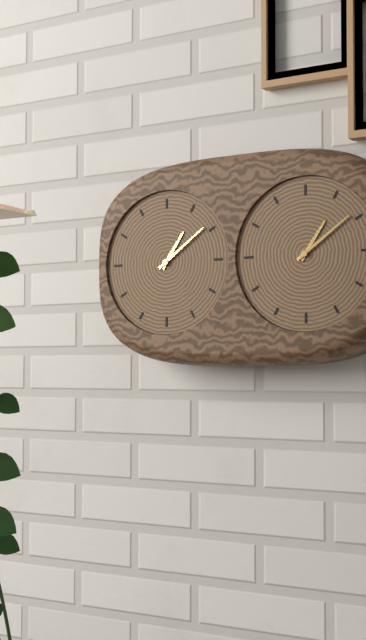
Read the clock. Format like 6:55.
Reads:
1:09
